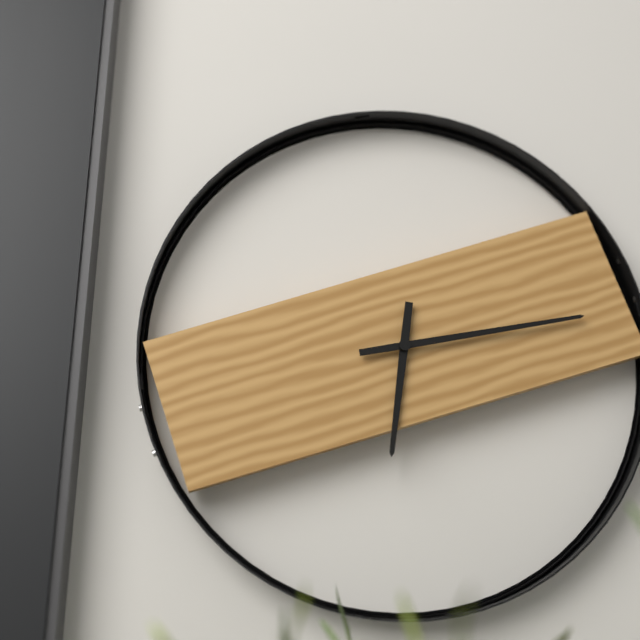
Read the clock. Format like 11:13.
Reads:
6:13
